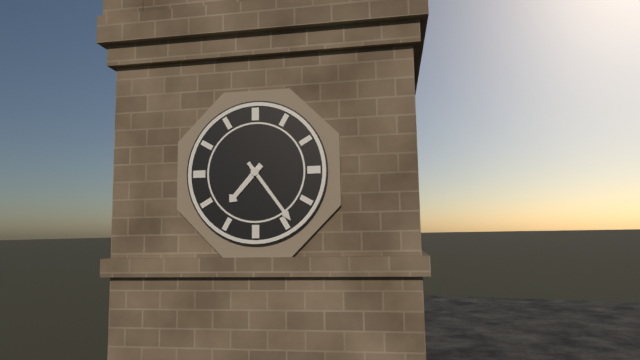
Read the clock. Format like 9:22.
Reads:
7:24
